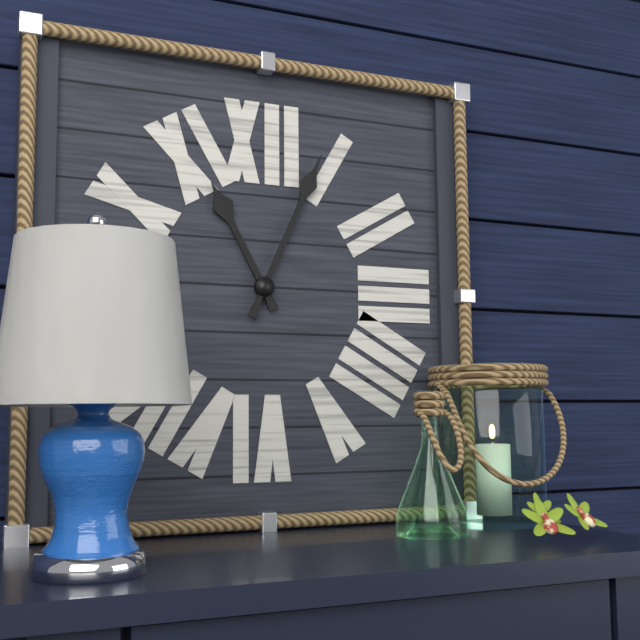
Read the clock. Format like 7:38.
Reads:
11:04
